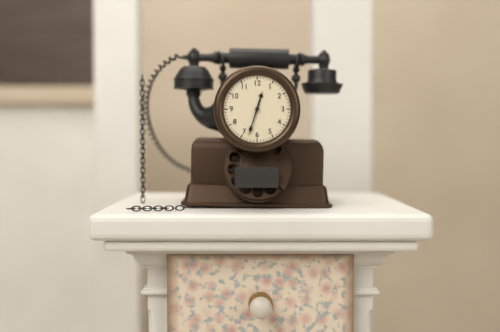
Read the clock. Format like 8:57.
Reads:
12:33
